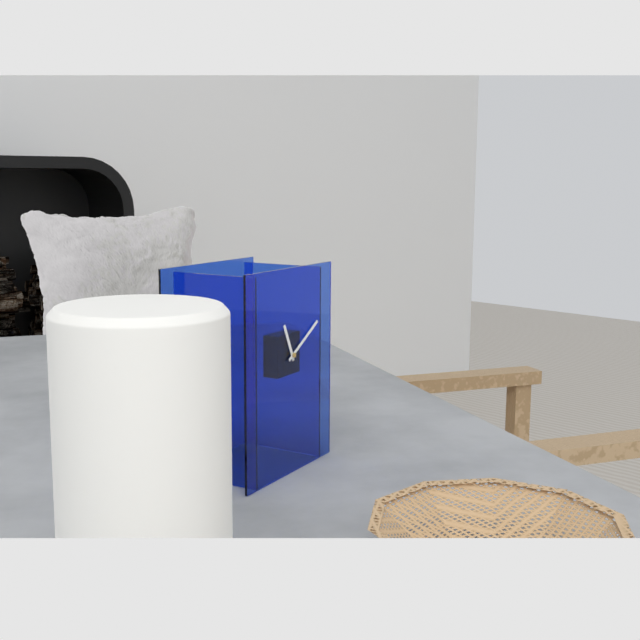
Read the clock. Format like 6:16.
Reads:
11:10
